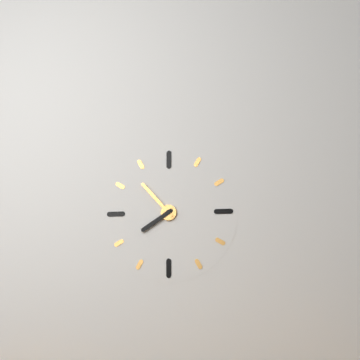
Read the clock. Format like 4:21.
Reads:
7:53
